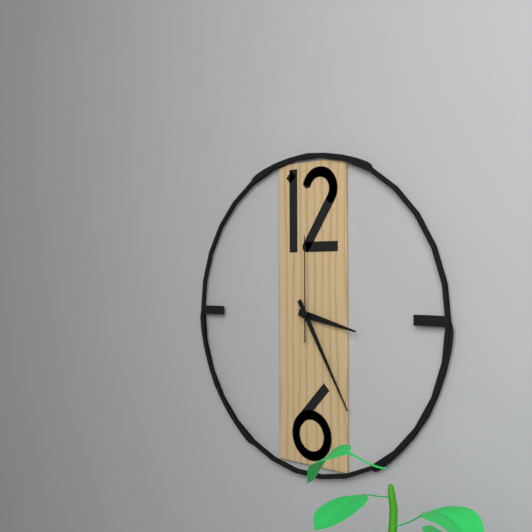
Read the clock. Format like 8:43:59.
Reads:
3:25:00
